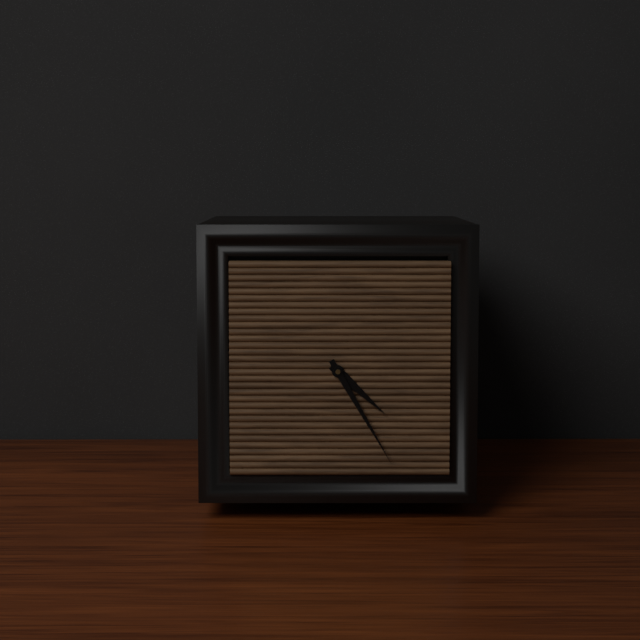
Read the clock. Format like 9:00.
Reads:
4:25
